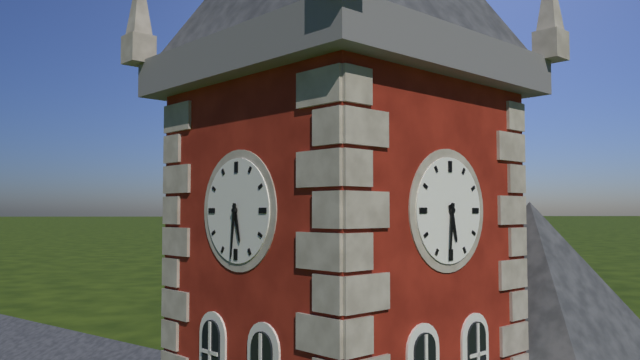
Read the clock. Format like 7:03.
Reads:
5:31
